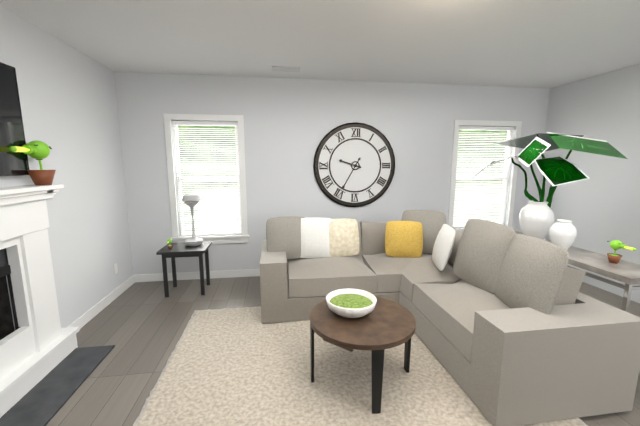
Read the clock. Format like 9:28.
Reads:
9:35
